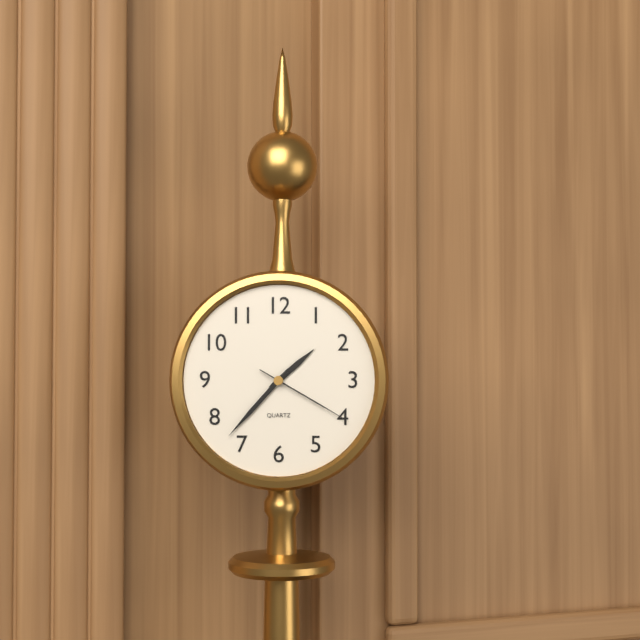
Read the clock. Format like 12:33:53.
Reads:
1:37:20
